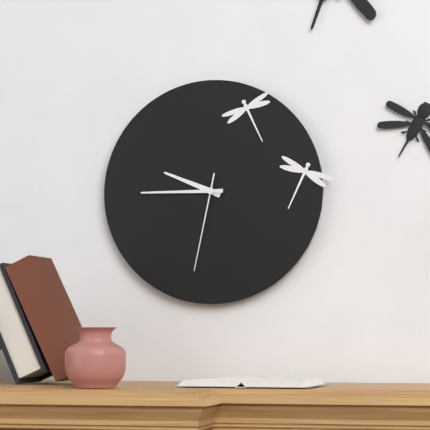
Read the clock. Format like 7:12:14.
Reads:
9:45:32
